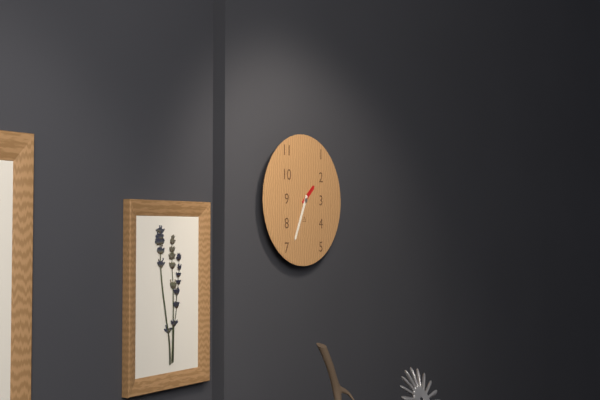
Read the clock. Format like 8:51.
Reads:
1:34
